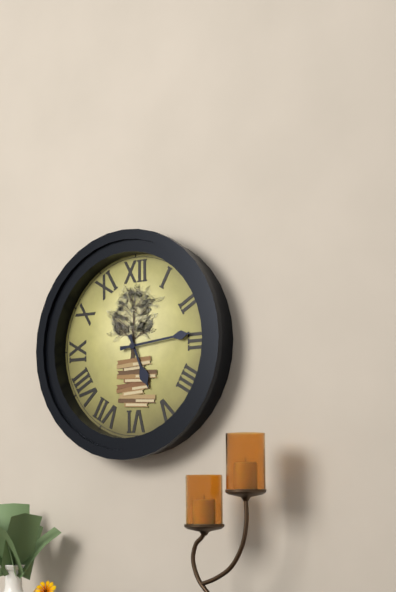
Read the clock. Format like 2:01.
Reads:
5:14
